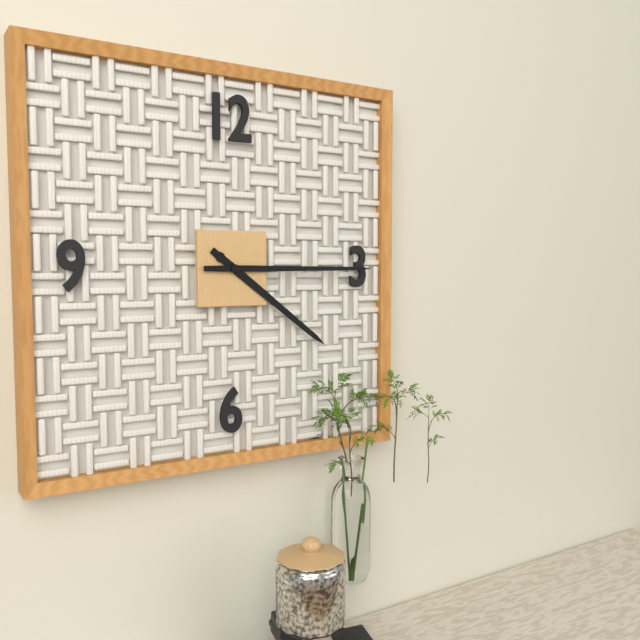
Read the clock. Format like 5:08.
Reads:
4:15
